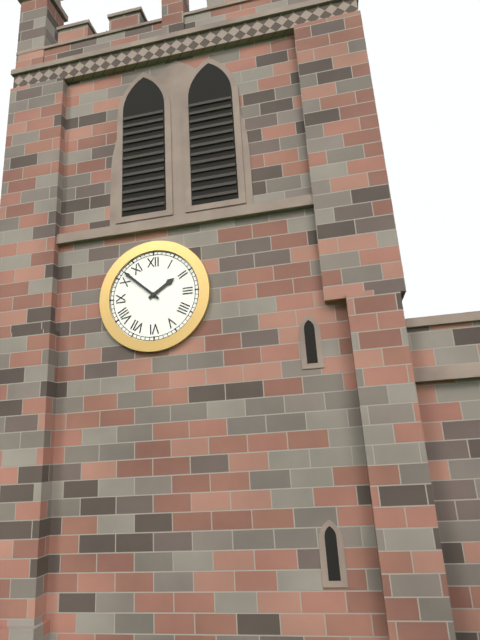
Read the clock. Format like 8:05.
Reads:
1:52
